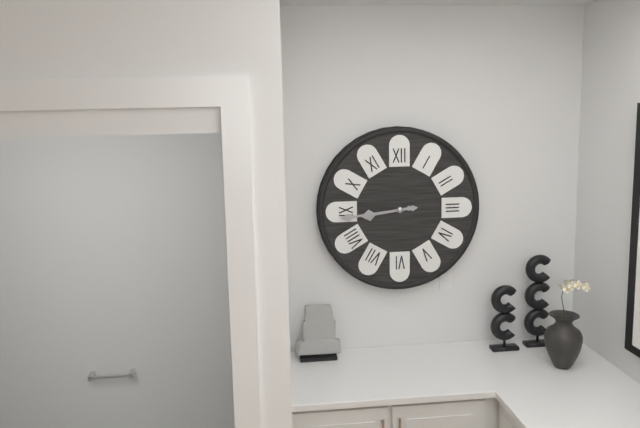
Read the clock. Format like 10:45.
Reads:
8:44
